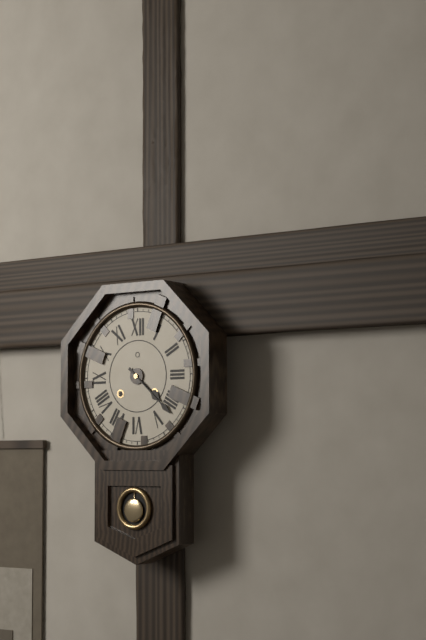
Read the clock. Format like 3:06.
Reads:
4:22
